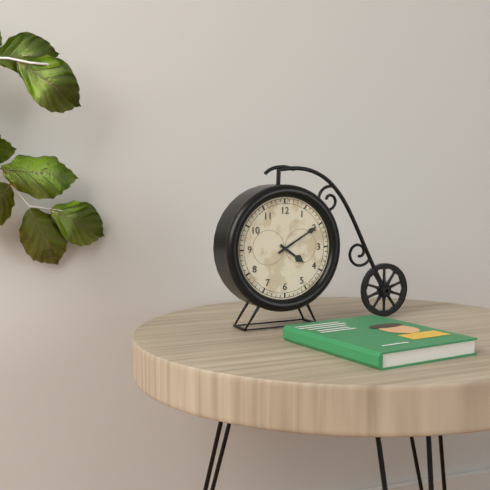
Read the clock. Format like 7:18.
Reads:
4:10
